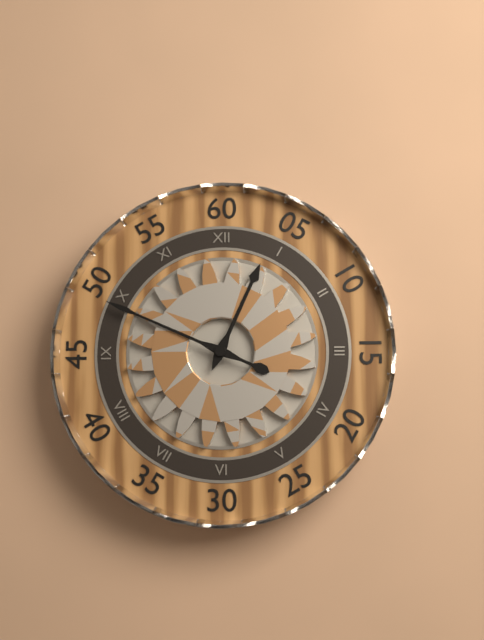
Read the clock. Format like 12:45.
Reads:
12:49
